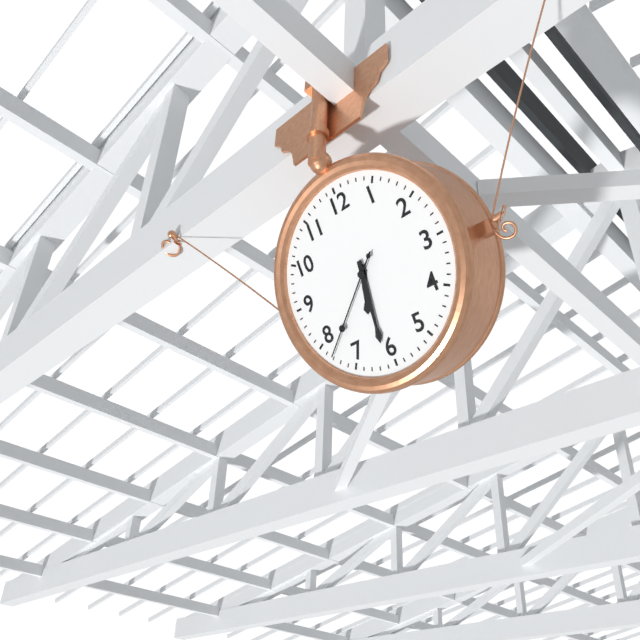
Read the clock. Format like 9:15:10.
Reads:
6:31:38
